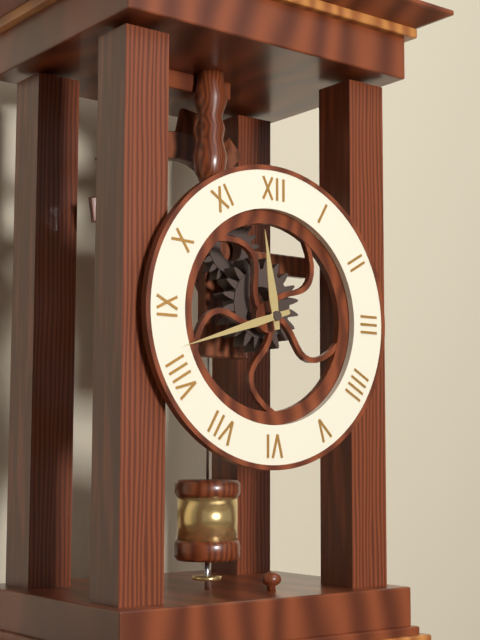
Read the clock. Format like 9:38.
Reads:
11:42
